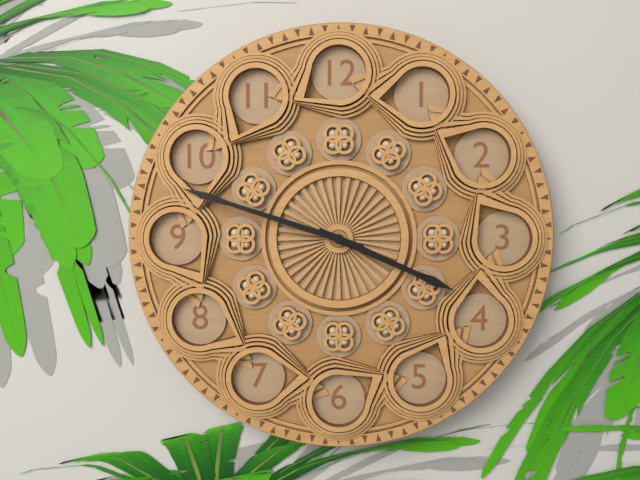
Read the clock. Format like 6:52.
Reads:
3:48
